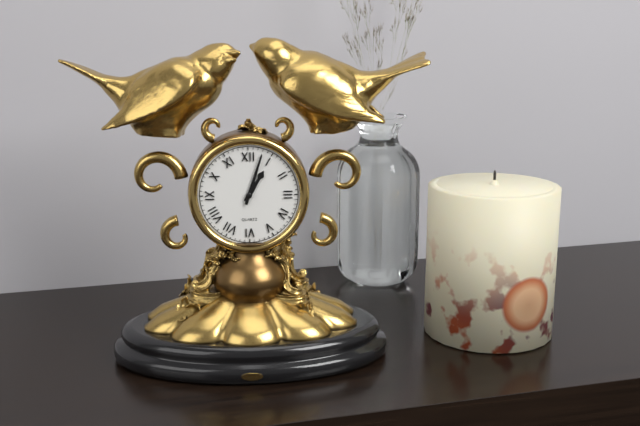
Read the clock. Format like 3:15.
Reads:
1:03
